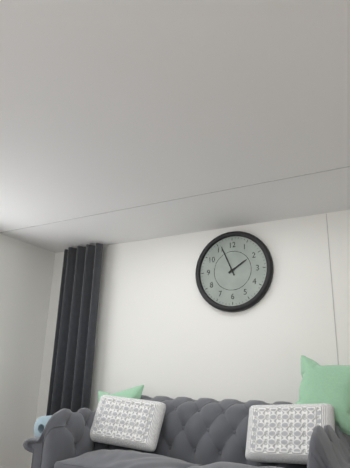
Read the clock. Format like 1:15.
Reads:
1:56
